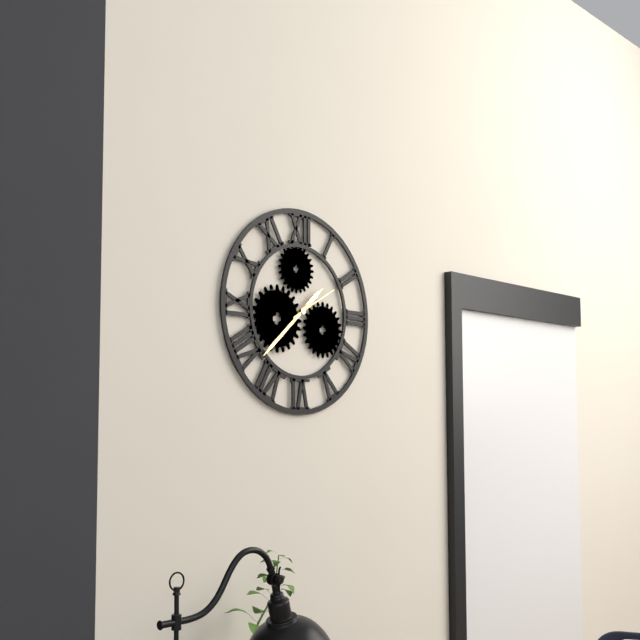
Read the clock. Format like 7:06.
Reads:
1:38
